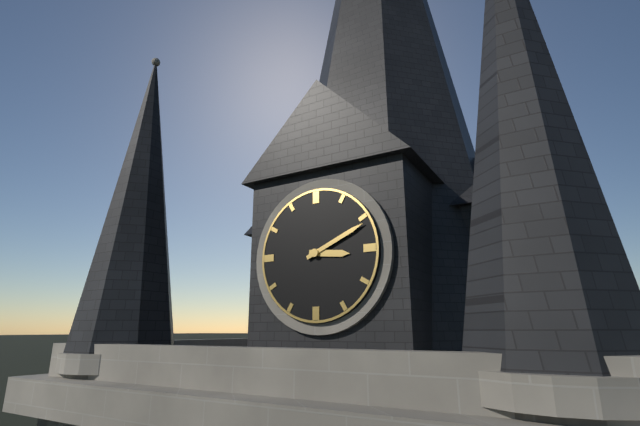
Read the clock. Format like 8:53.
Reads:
3:11
